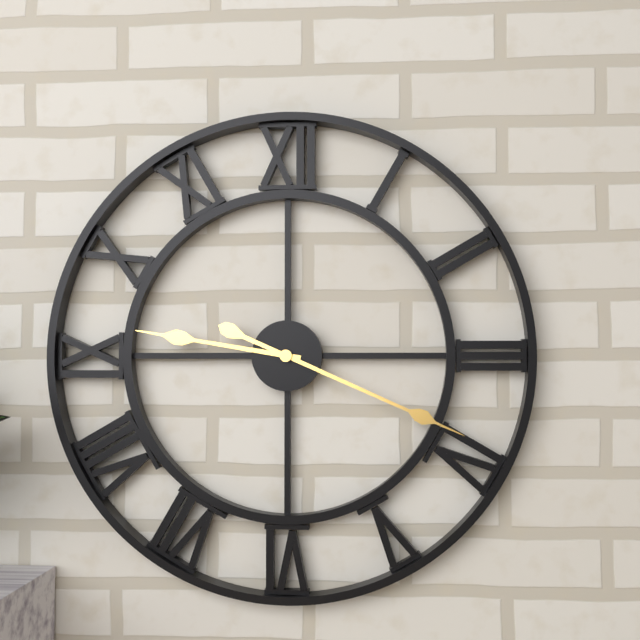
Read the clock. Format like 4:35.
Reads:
9:19
